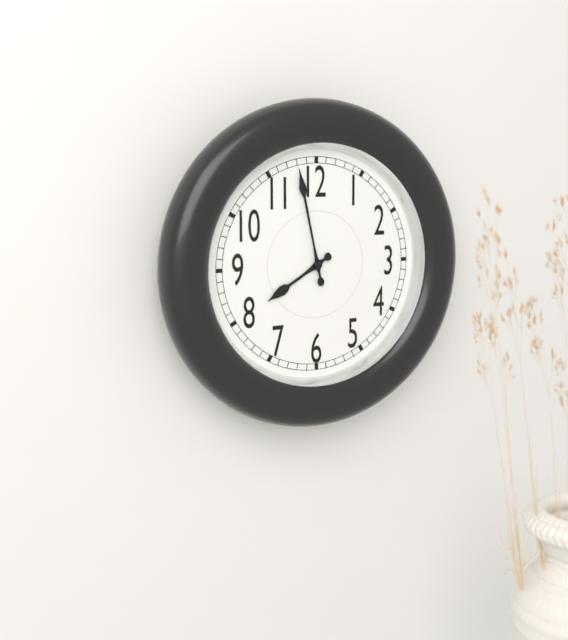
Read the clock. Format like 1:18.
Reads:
7:58
